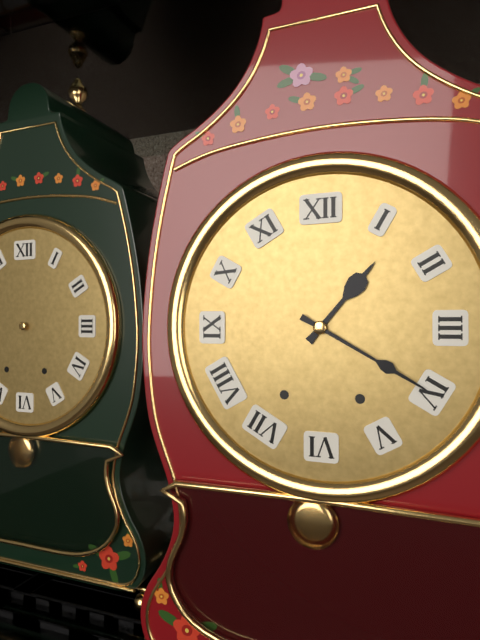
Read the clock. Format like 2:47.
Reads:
1:20
